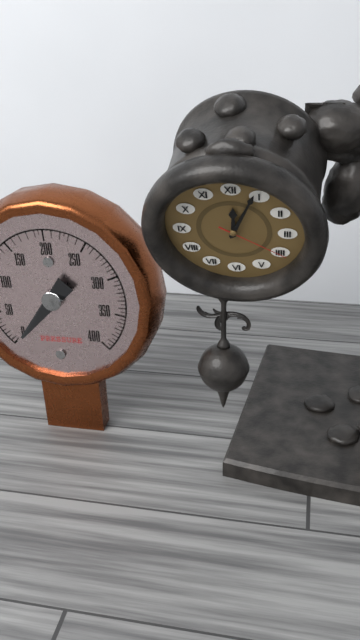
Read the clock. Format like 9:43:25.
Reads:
12:04:20
